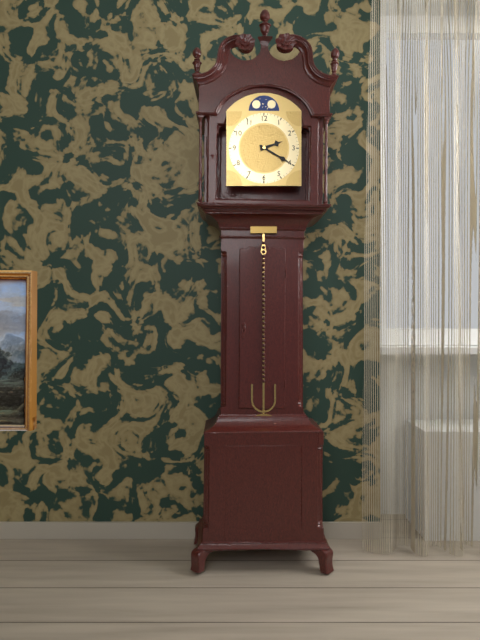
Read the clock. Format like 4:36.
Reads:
2:20
